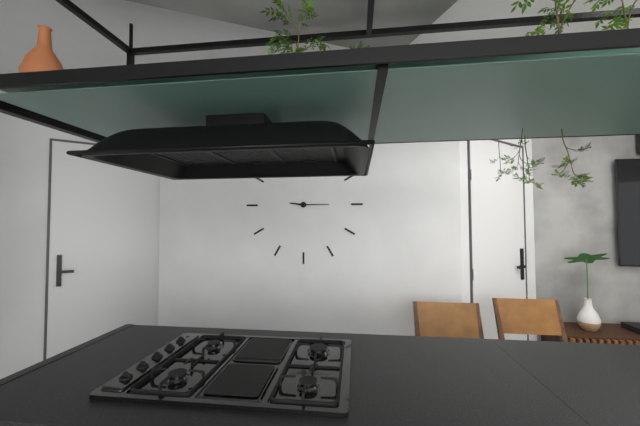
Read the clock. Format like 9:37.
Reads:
9:15
